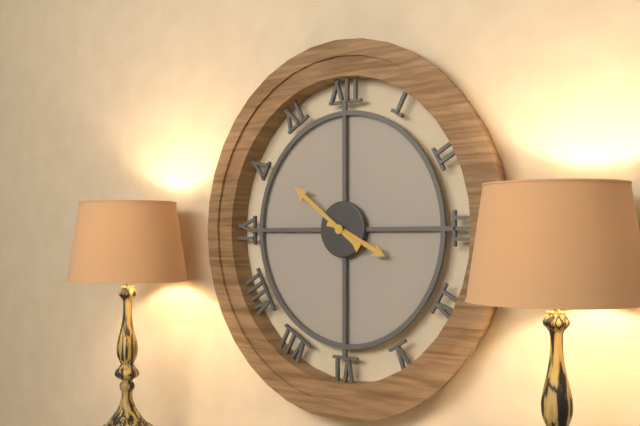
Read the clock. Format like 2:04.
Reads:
3:51
